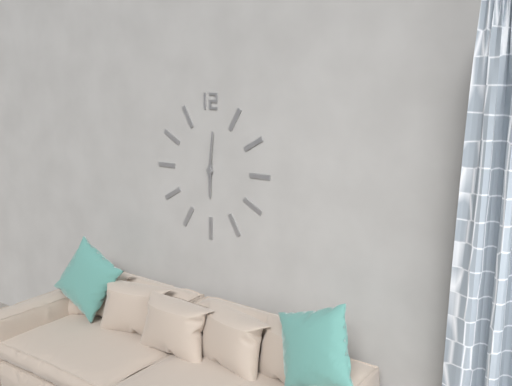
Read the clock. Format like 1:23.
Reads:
6:01
